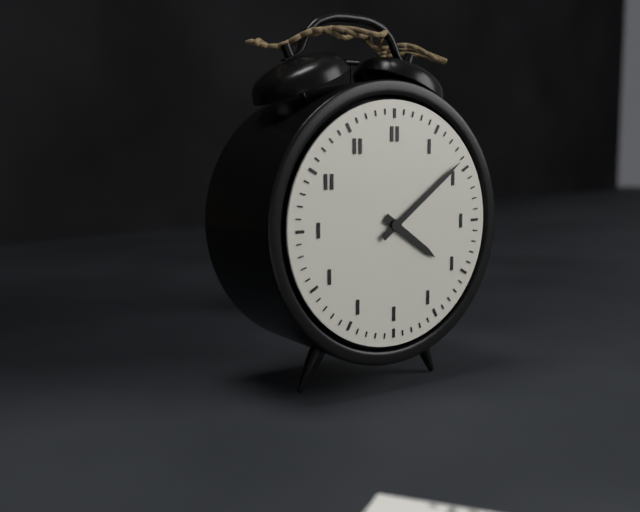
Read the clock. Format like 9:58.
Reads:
4:09
